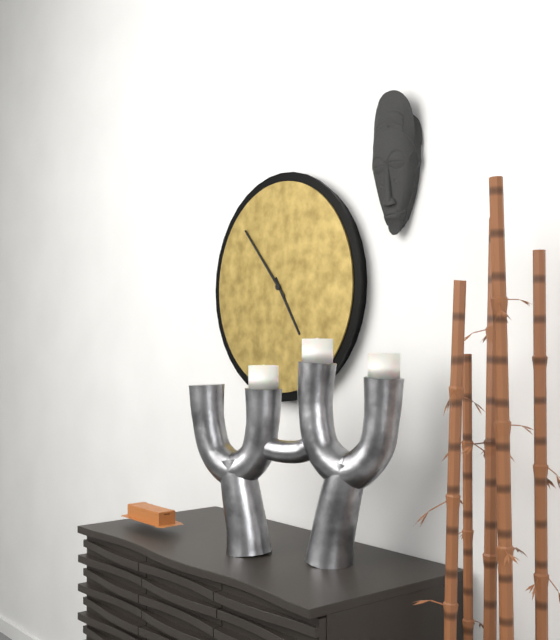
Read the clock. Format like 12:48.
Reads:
4:53
